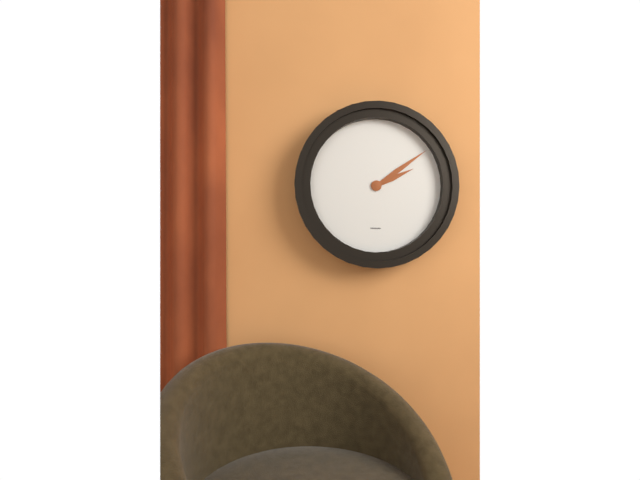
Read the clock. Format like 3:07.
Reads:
2:09
